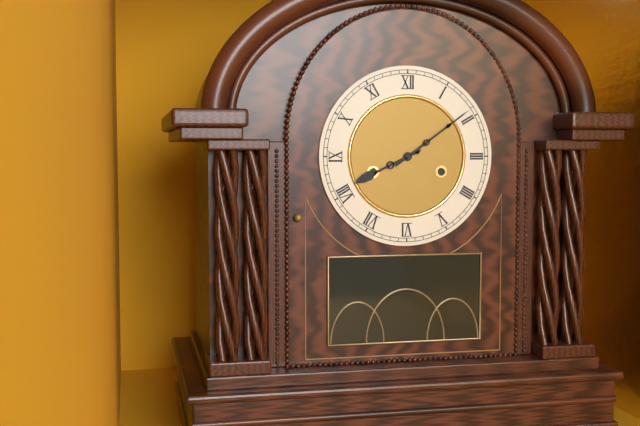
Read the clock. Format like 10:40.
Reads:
8:09
